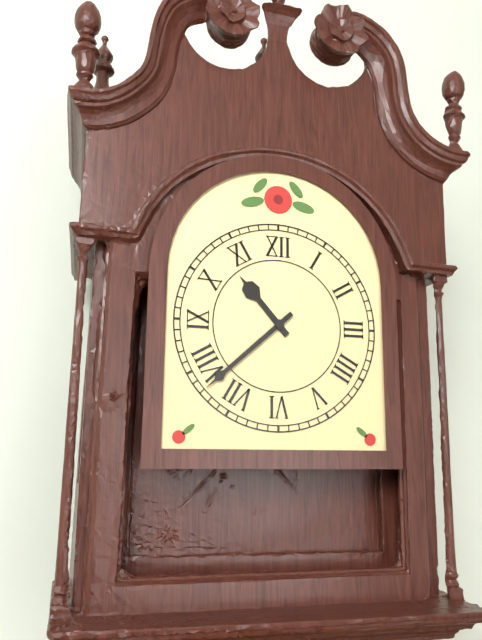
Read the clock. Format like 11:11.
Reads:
10:38
